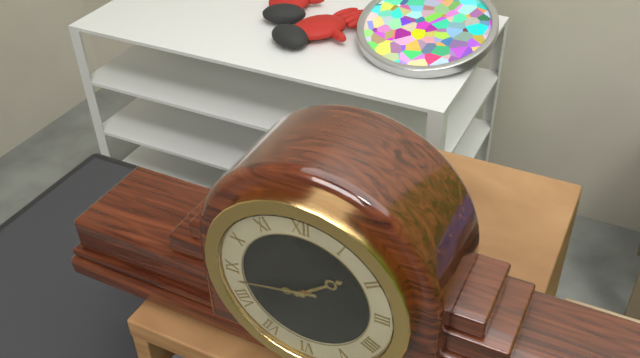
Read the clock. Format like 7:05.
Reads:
1:43
